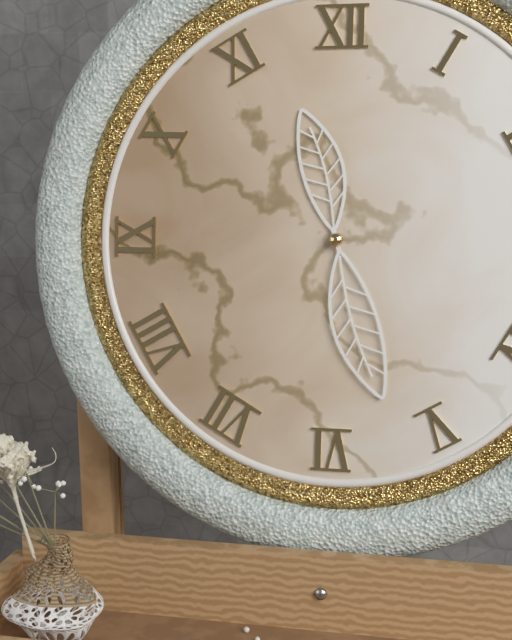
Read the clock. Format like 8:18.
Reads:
11:27
